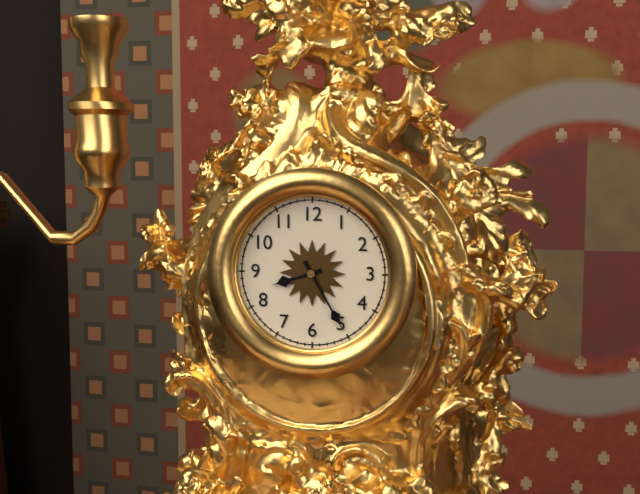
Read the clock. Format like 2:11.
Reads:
8:25
